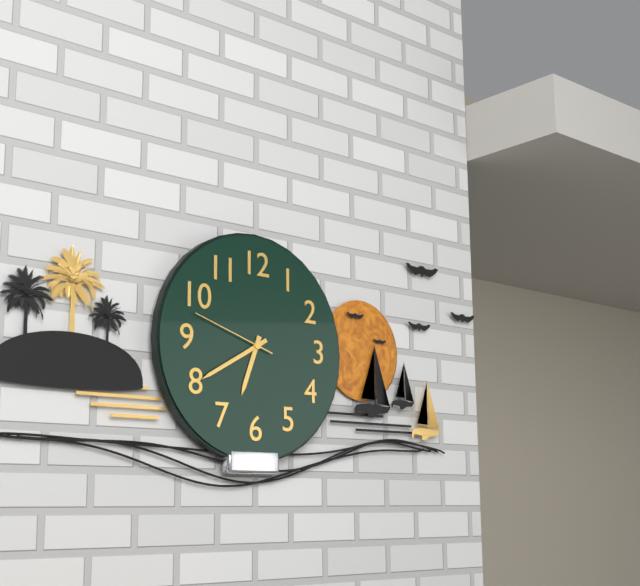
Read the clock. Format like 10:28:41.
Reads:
6:40:48
